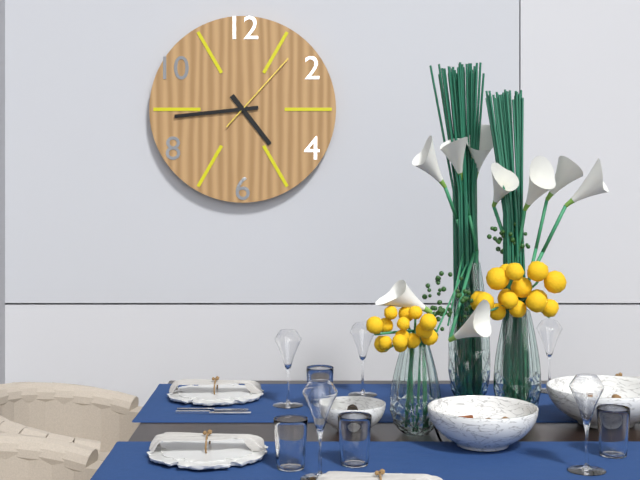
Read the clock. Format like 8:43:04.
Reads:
4:44:07
